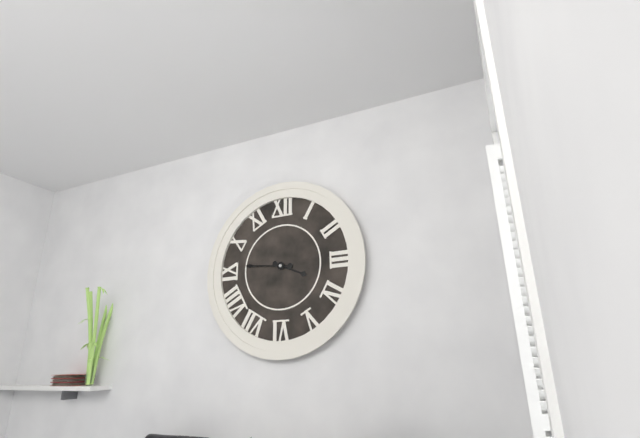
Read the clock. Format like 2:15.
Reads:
3:46
